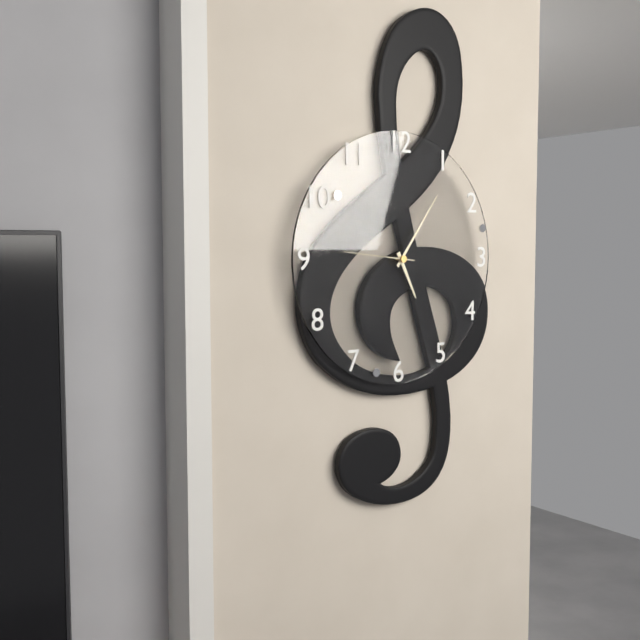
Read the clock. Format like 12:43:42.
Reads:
5:06:46
